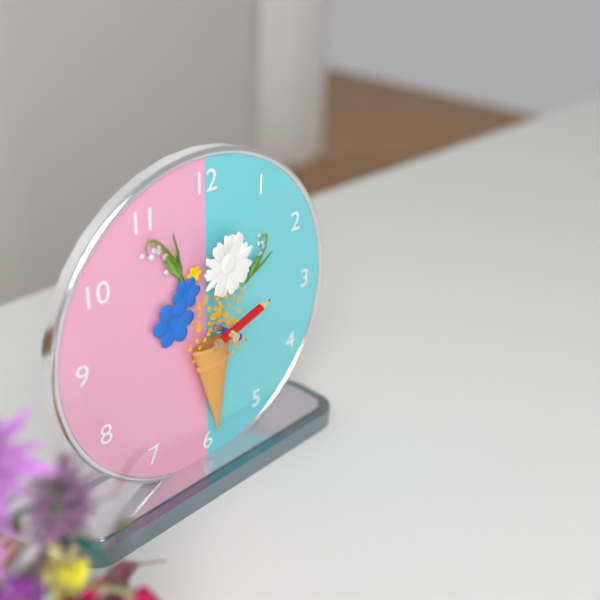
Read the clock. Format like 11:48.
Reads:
4:12
